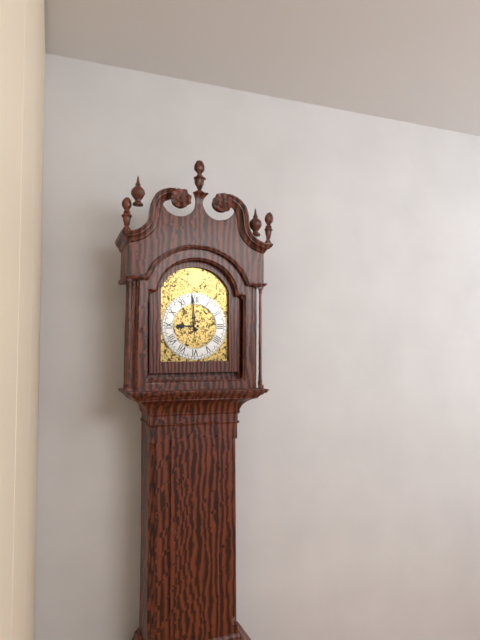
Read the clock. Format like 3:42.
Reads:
8:59
